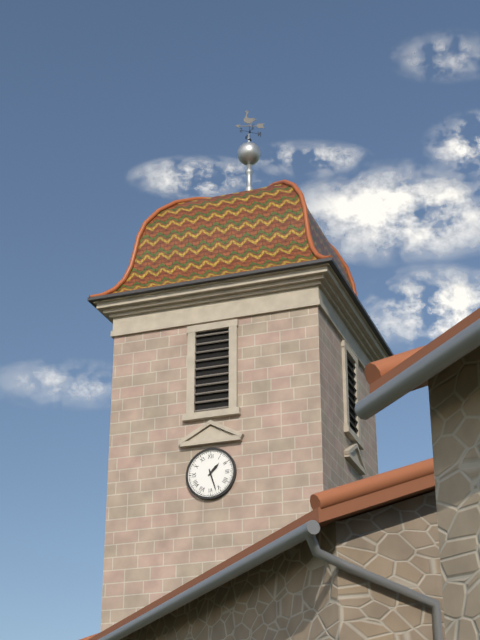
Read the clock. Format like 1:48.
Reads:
1:27
